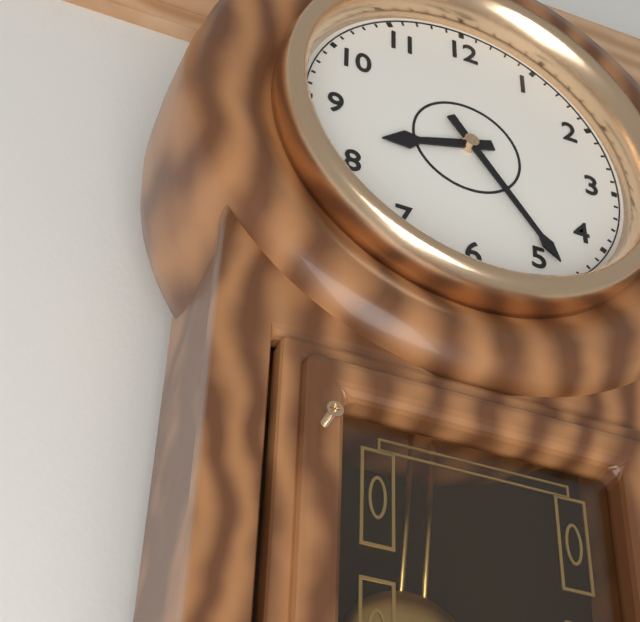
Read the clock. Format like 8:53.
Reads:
8:24
